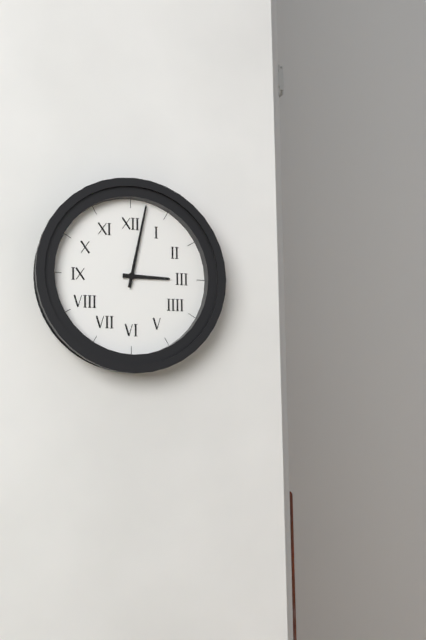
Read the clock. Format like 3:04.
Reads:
3:02
